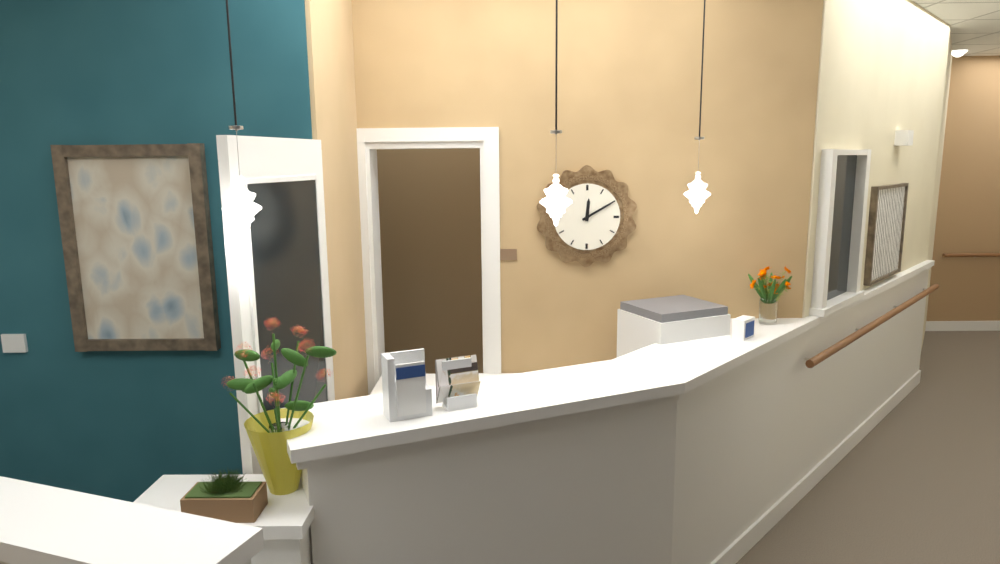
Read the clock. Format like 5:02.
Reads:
12:10
